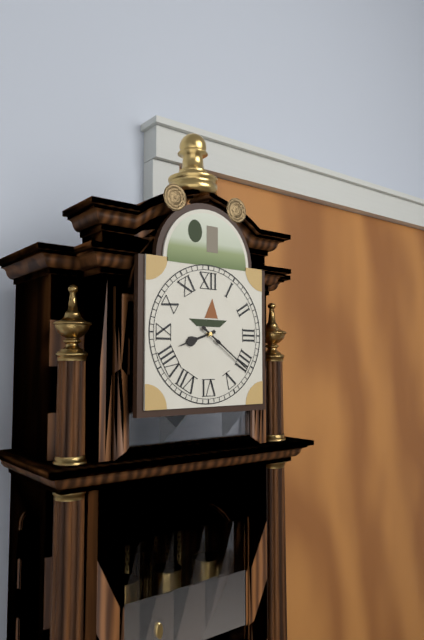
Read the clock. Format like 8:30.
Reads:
8:21
